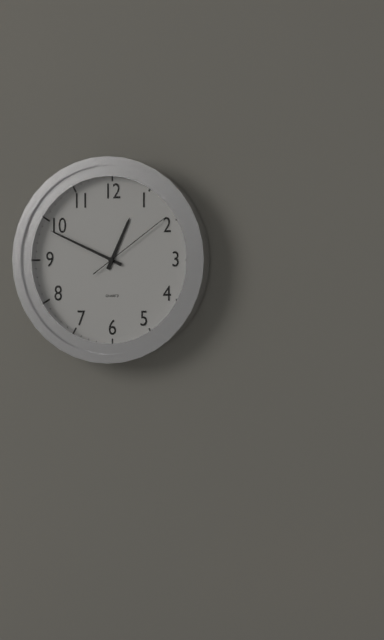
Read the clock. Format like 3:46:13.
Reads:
12:49:09
